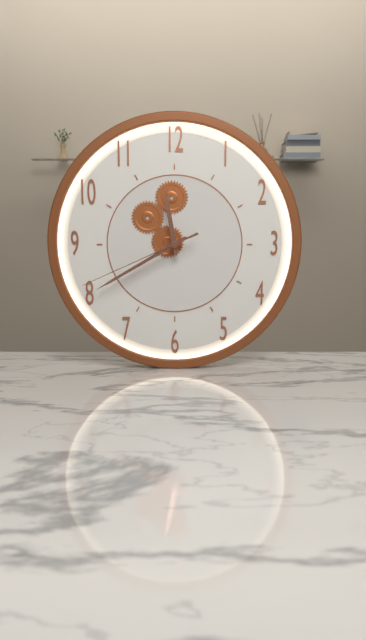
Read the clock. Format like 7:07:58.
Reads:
11:40:41
